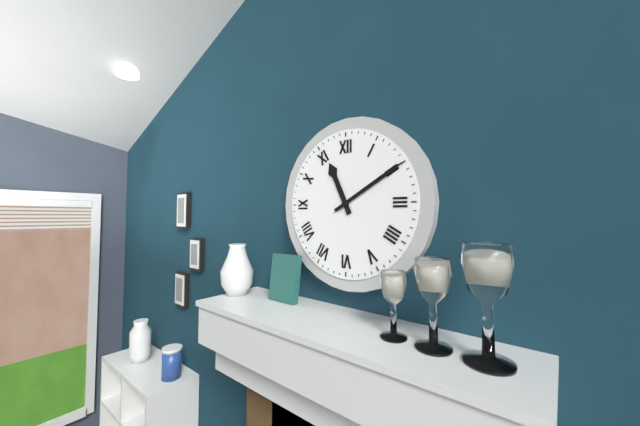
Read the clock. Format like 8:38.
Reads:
11:10
